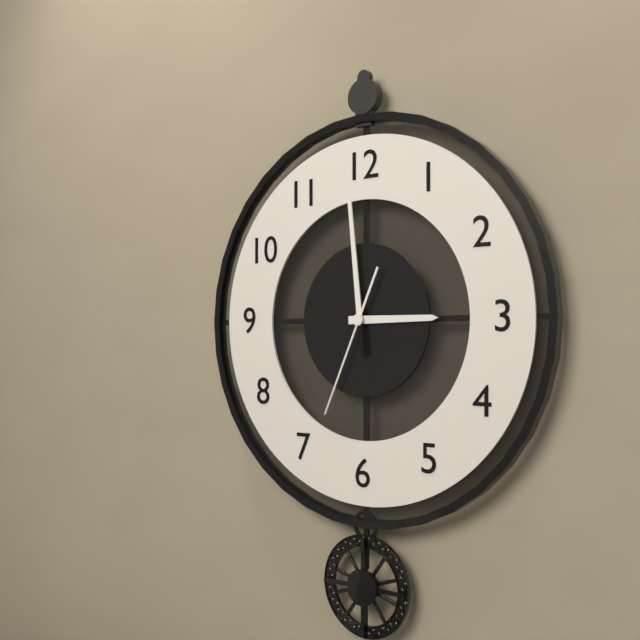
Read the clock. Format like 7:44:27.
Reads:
2:59:34
